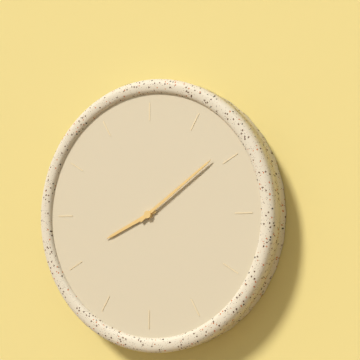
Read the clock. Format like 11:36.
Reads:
8:09
